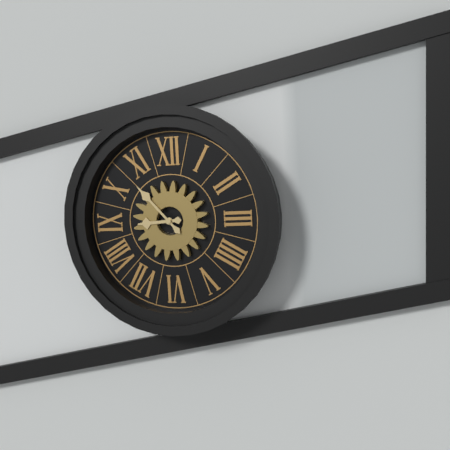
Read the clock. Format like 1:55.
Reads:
8:53
